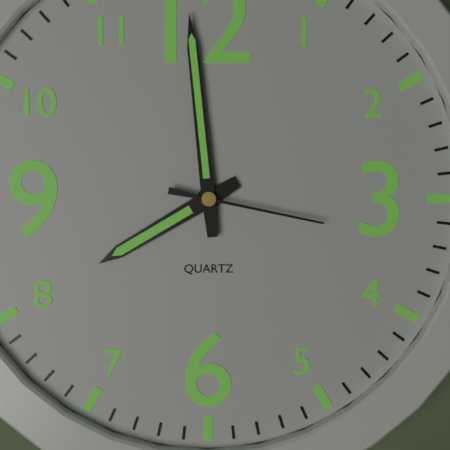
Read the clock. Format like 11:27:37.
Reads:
7:59:17
